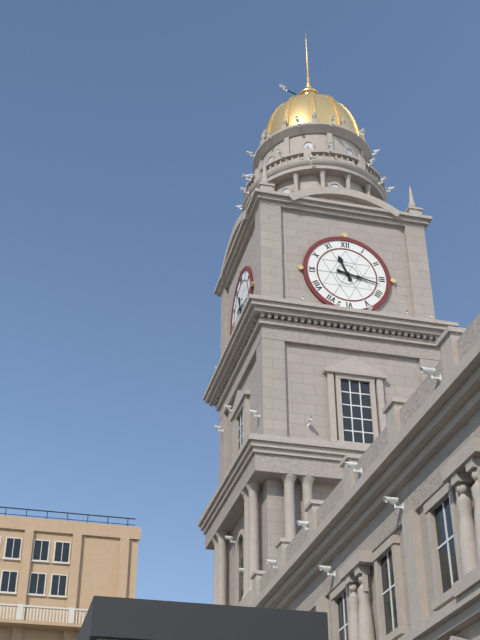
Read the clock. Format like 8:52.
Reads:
11:17
